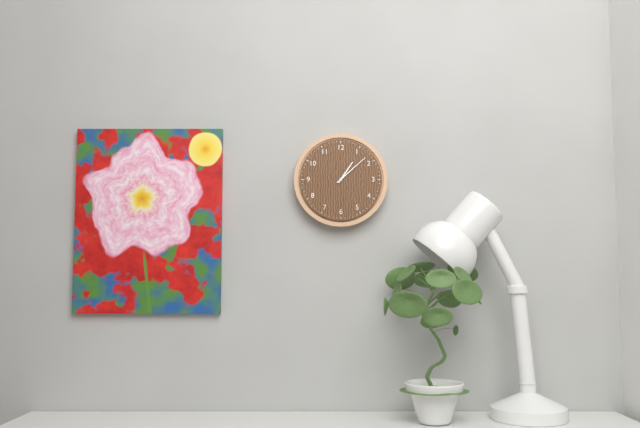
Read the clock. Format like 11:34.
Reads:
1:08
